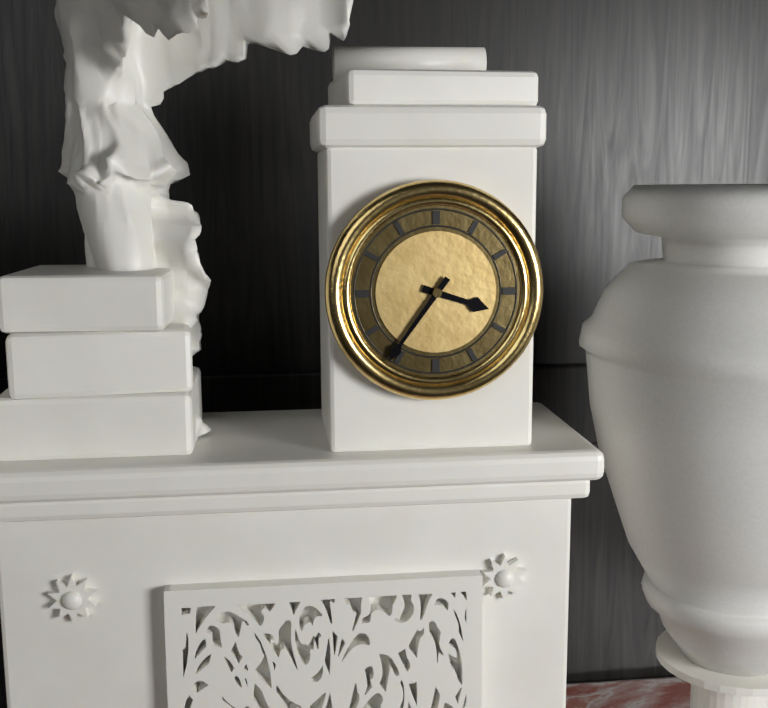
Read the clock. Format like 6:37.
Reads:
3:36
